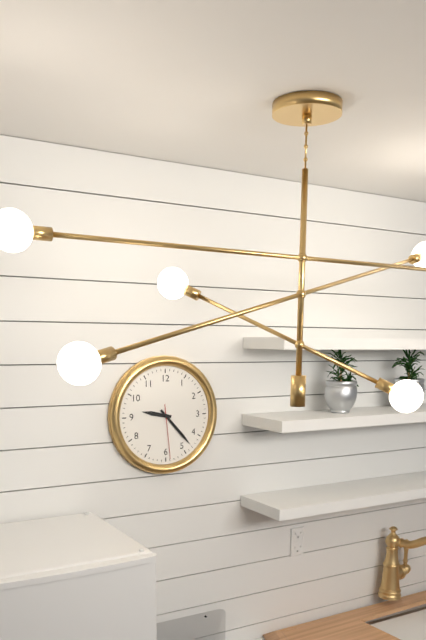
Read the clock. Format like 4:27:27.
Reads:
9:23:29
